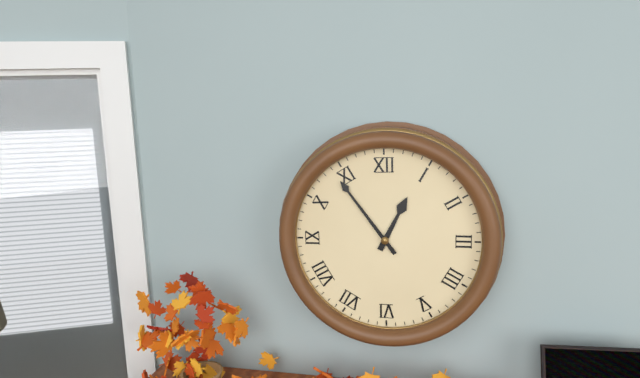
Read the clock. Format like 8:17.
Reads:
12:54
